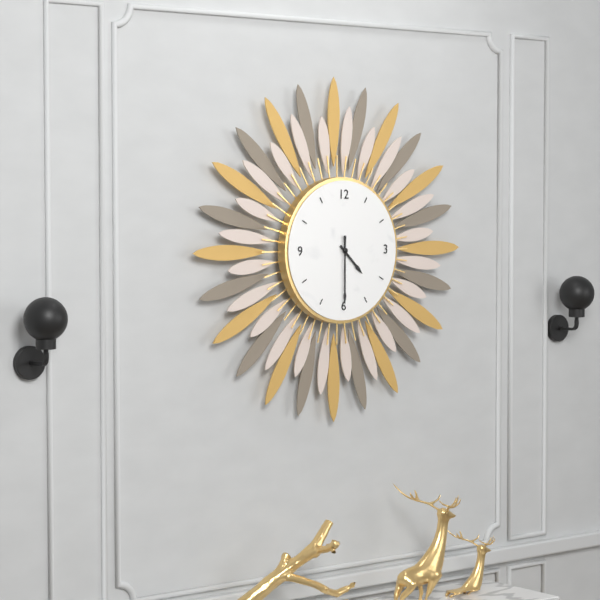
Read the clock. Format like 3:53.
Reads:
4:30
